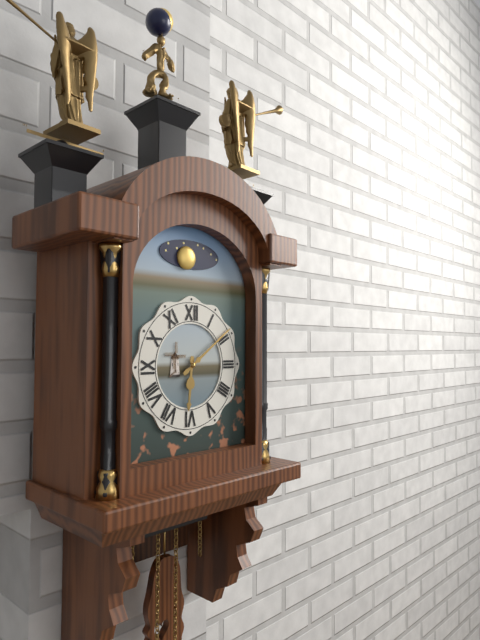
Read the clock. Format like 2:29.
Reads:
6:09
